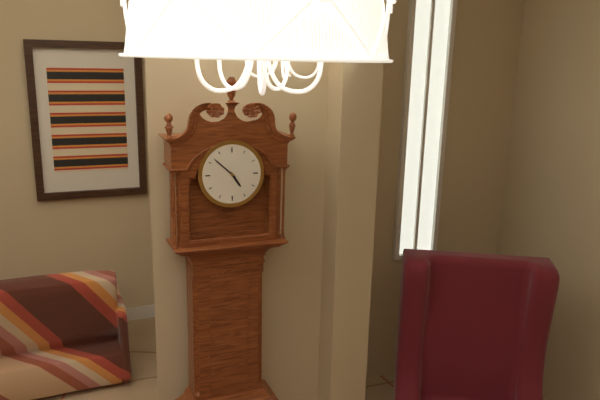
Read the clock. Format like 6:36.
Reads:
4:52
